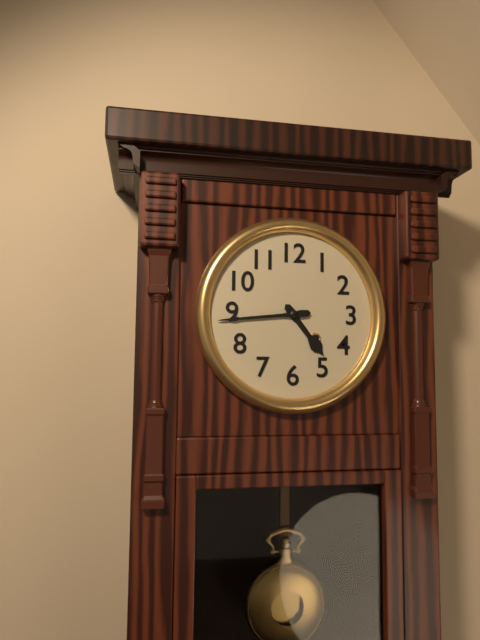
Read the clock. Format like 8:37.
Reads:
4:44
